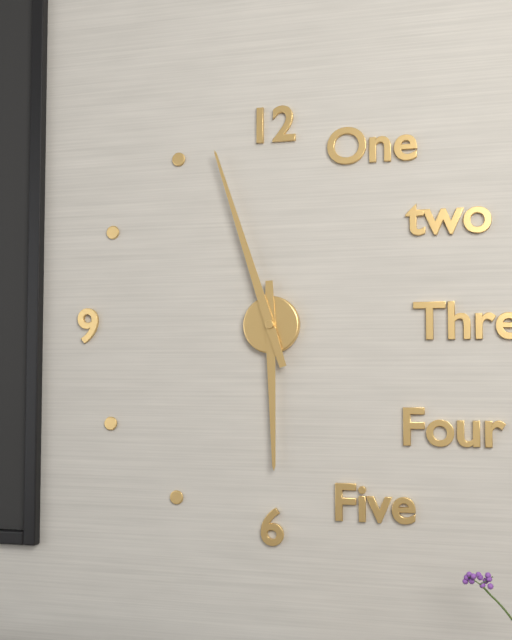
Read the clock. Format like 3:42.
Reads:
5:57
